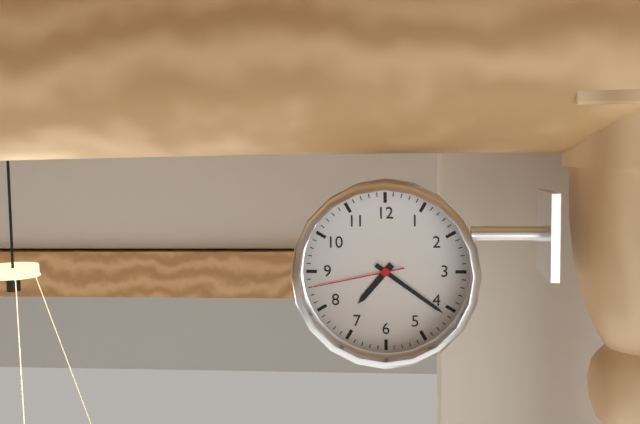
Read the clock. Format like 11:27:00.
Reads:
7:21:43
